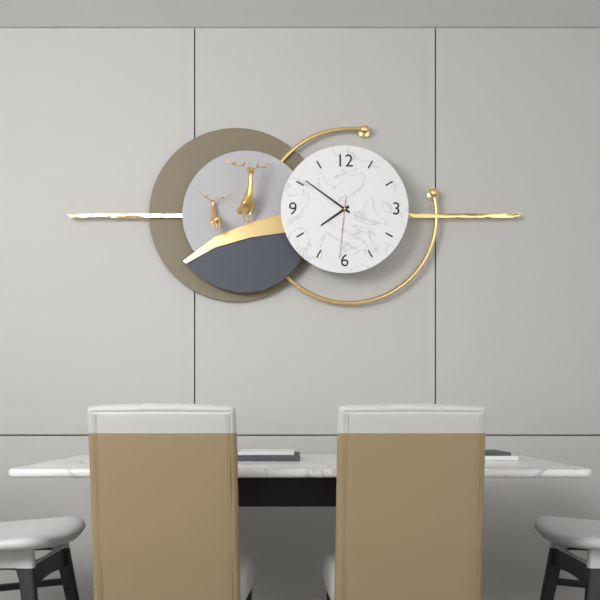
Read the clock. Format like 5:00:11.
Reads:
7:51:31
